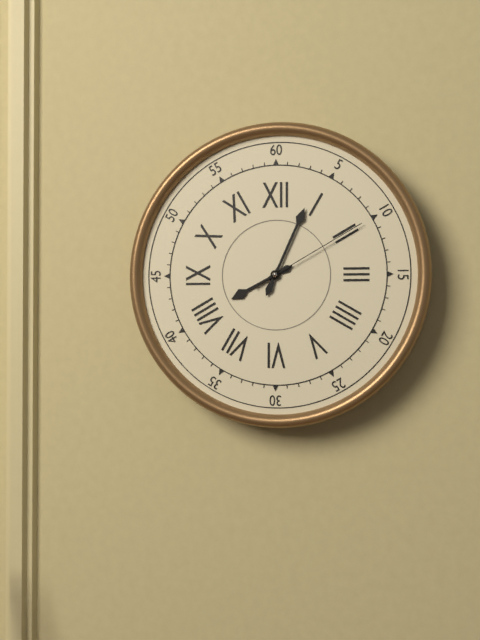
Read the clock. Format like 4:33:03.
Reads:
8:04:10
